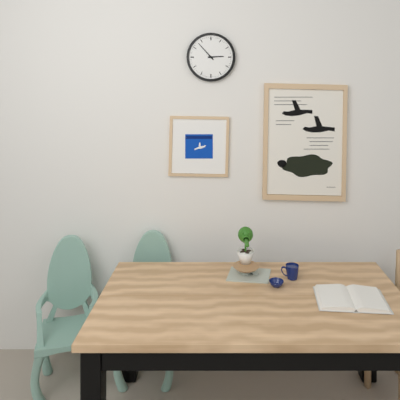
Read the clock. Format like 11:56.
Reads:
2:53
